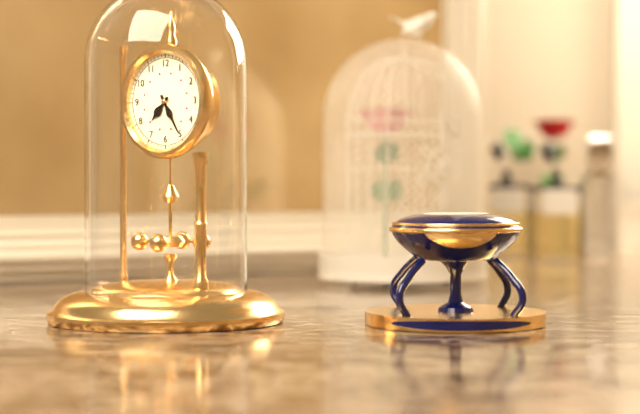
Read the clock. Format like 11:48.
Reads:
7:25
